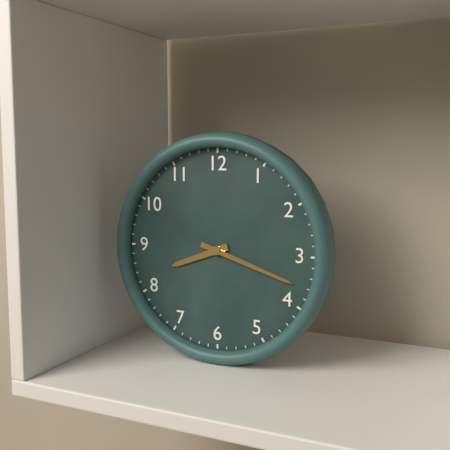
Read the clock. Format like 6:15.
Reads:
8:18
